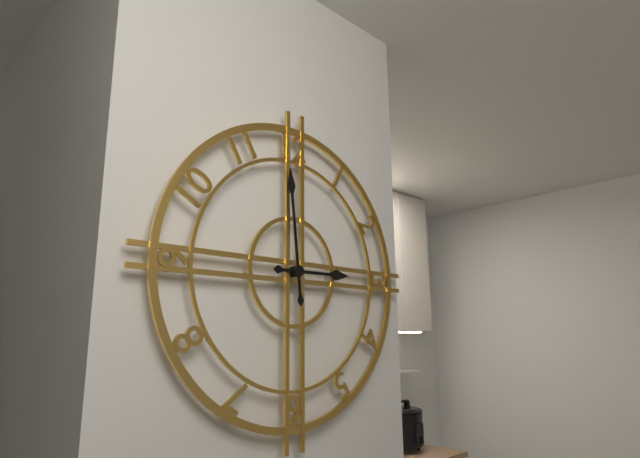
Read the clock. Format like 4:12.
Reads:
2:59
